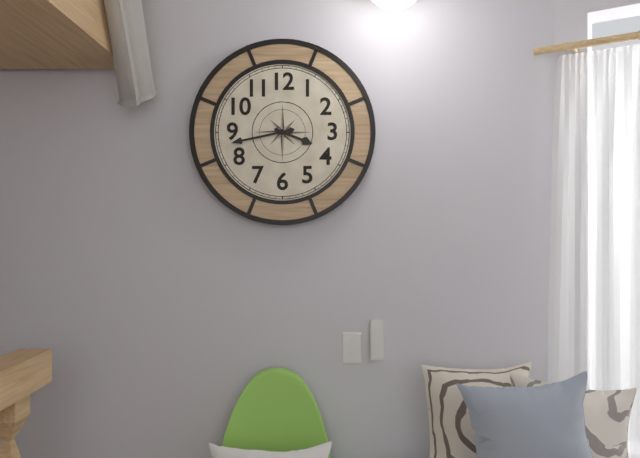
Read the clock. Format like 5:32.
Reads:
3:43
